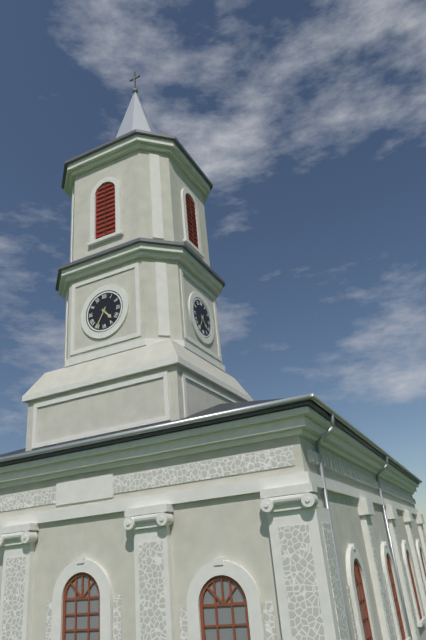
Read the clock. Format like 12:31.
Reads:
4:35
